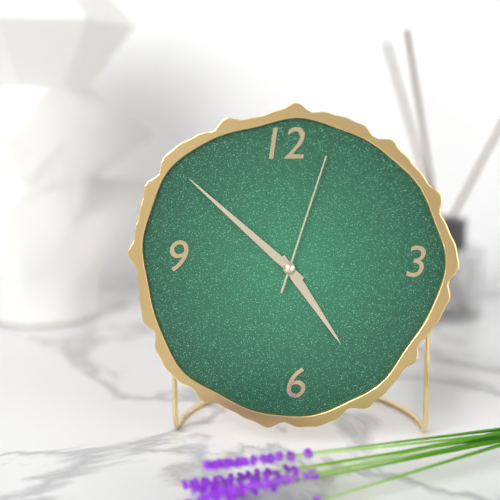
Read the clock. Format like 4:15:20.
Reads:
4:52:03
